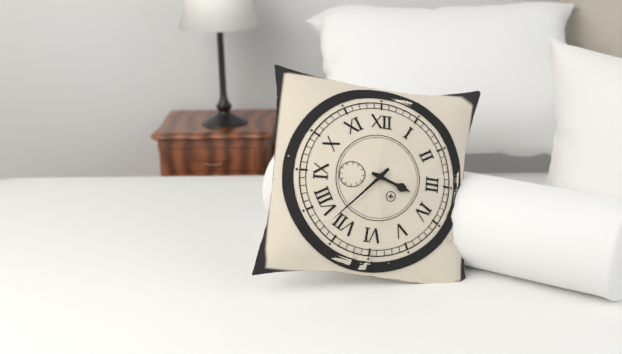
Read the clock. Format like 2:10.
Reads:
3:37
